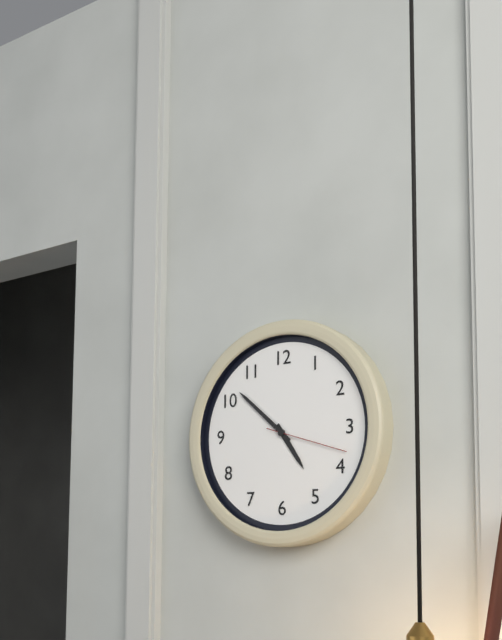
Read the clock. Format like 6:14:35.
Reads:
4:52:18
